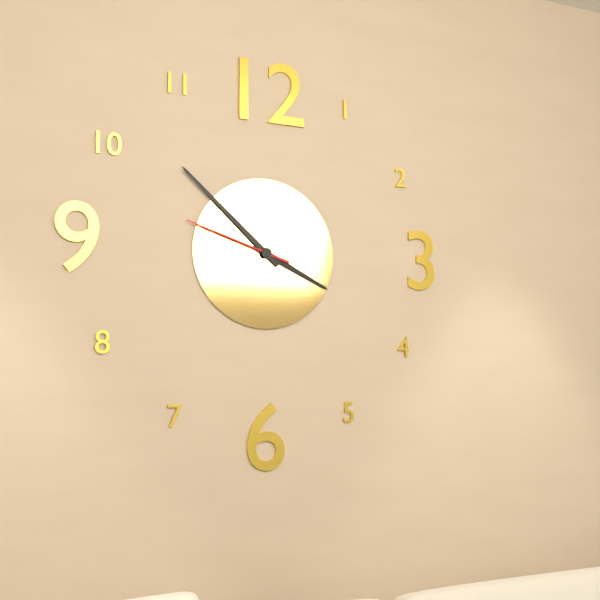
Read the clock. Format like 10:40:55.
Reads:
3:52:48
